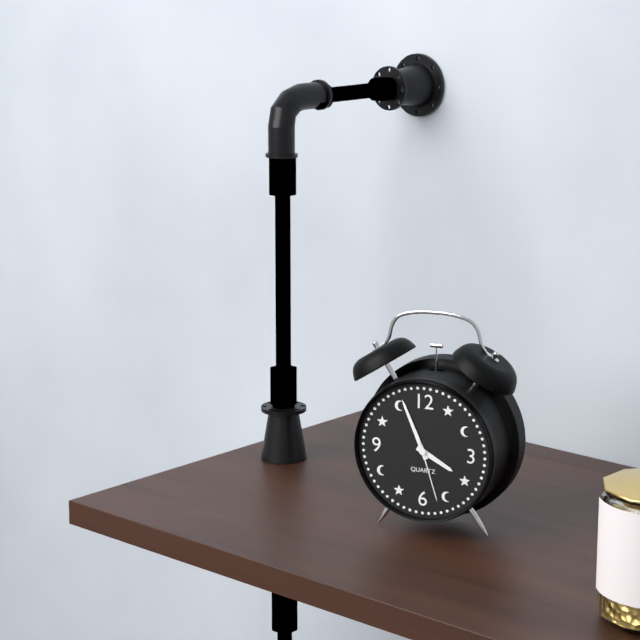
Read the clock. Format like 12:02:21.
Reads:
3:56:27
